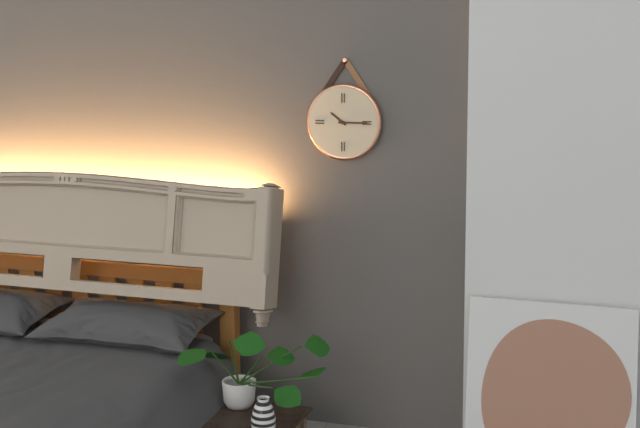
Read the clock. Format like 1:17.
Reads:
10:15
